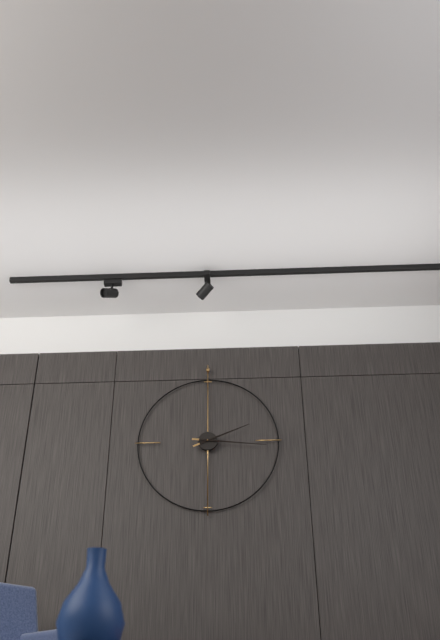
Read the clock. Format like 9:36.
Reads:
2:16
